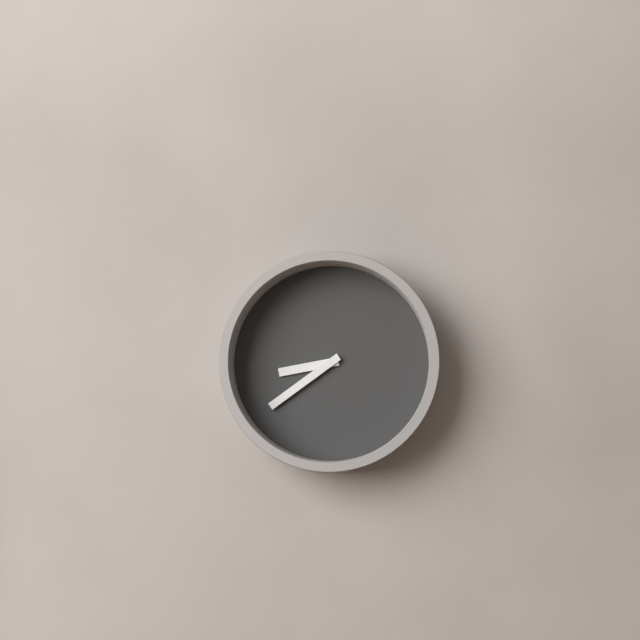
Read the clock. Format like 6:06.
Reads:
8:39
